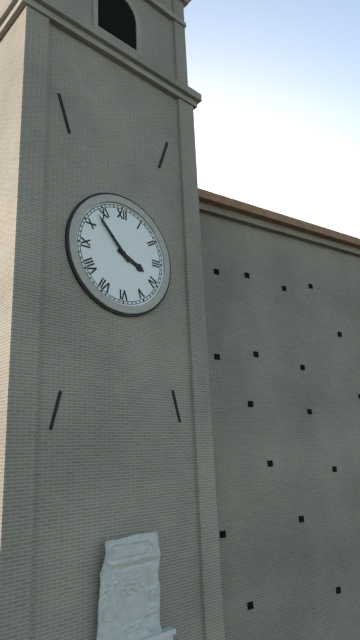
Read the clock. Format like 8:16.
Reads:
3:53
